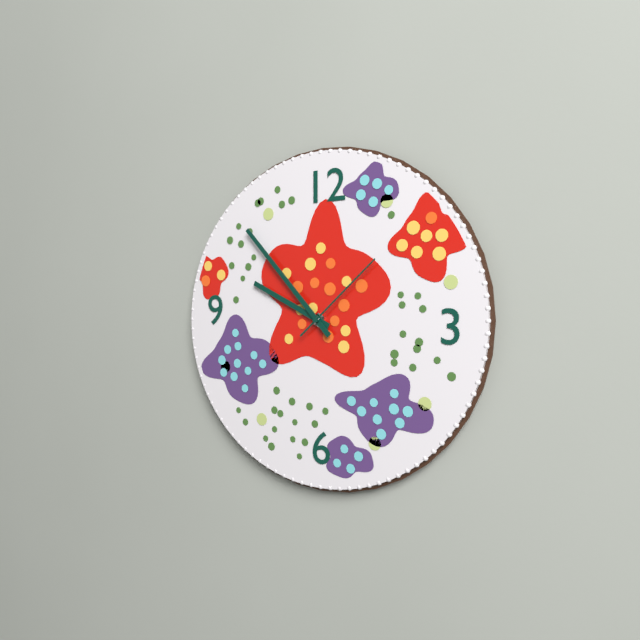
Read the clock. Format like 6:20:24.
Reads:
9:53:08
